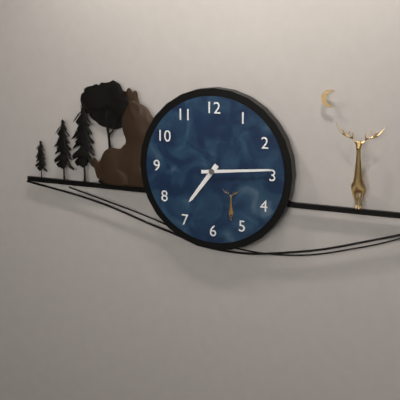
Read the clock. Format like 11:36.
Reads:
7:14
